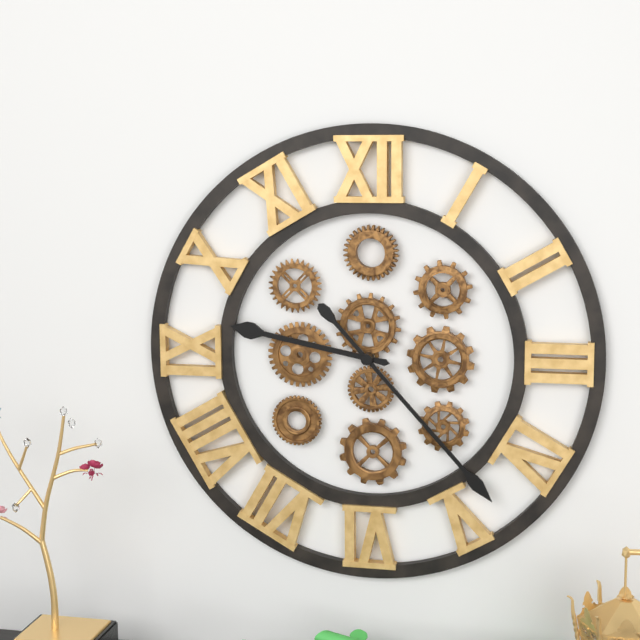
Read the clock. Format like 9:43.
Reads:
9:23
